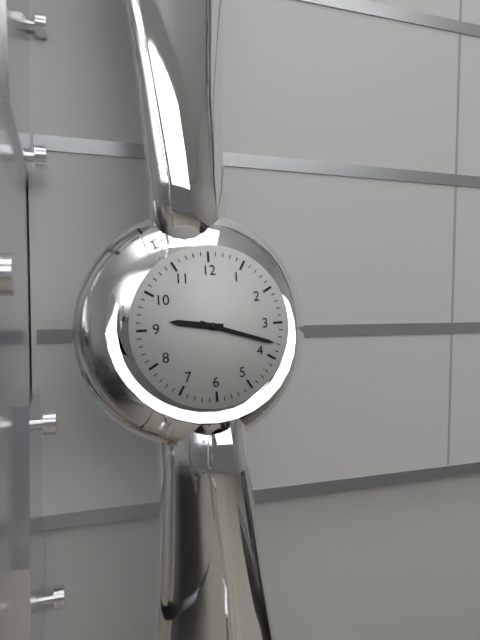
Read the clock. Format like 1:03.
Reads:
9:18
